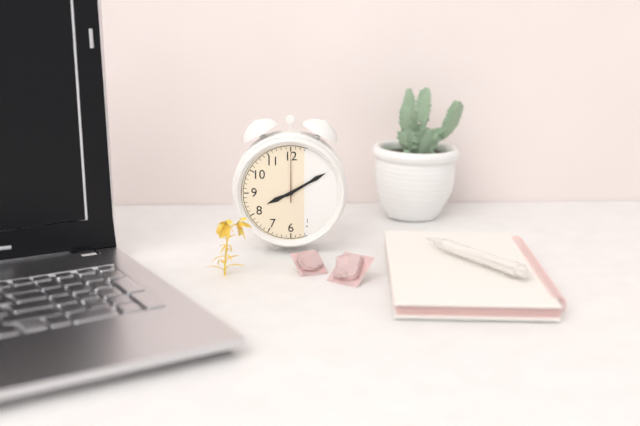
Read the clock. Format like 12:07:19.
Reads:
8:10:00
